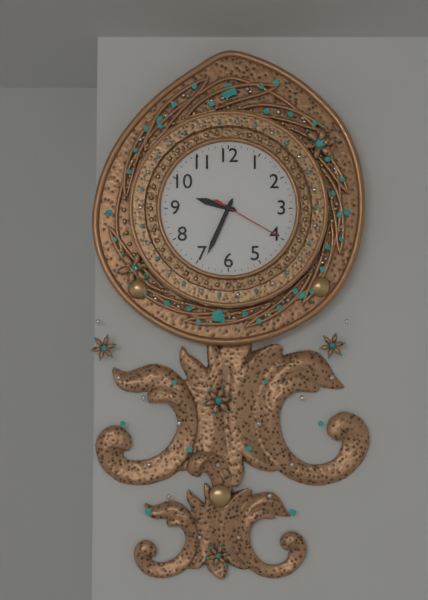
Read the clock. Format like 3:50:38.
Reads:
9:34:20
